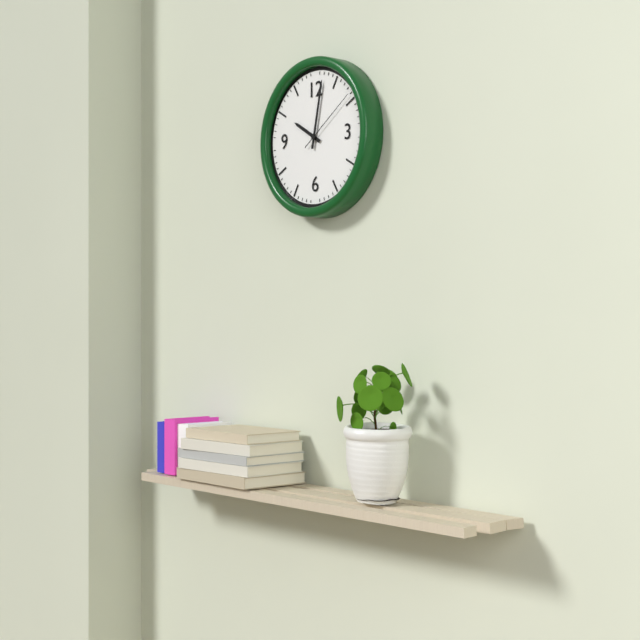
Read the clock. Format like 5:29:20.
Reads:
10:02:09
